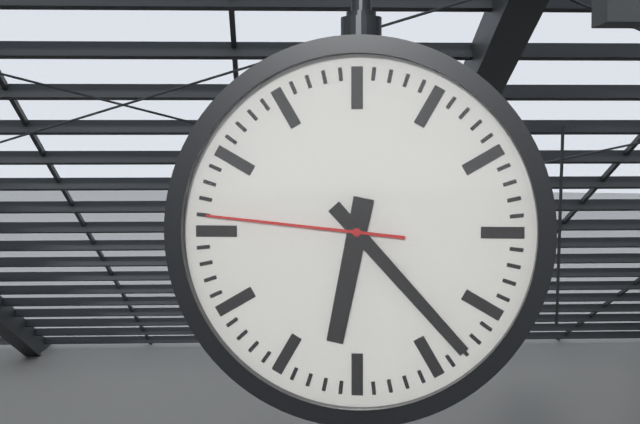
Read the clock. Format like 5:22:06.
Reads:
6:23:46
